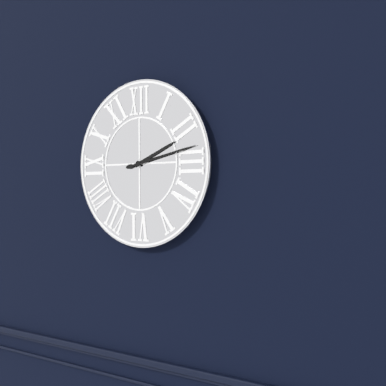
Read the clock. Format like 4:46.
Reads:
2:13
